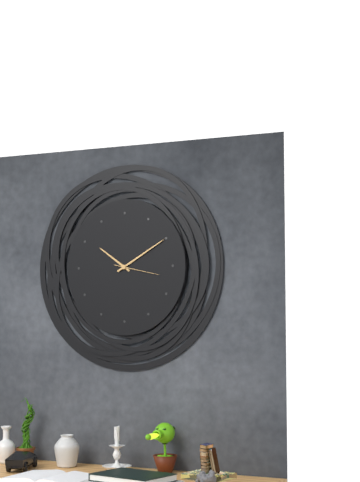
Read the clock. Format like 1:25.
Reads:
10:10
